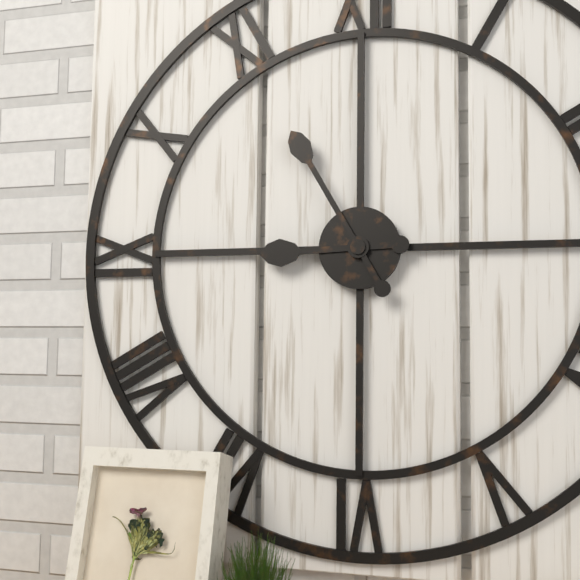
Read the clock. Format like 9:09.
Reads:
8:55
